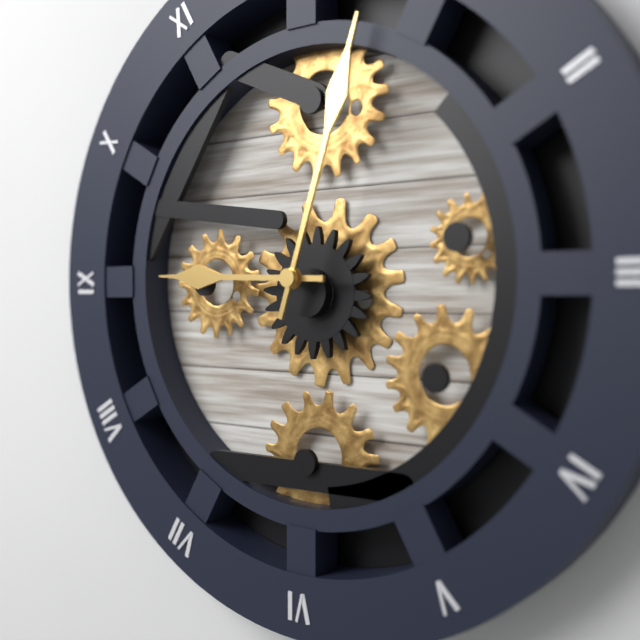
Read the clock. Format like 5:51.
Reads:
9:03
